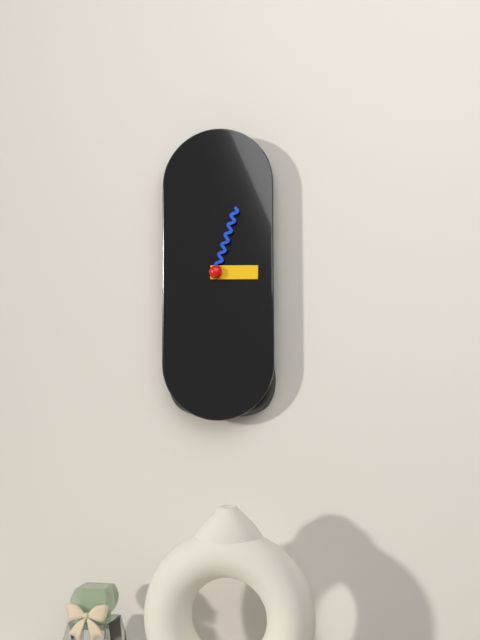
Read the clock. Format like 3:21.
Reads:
3:03
